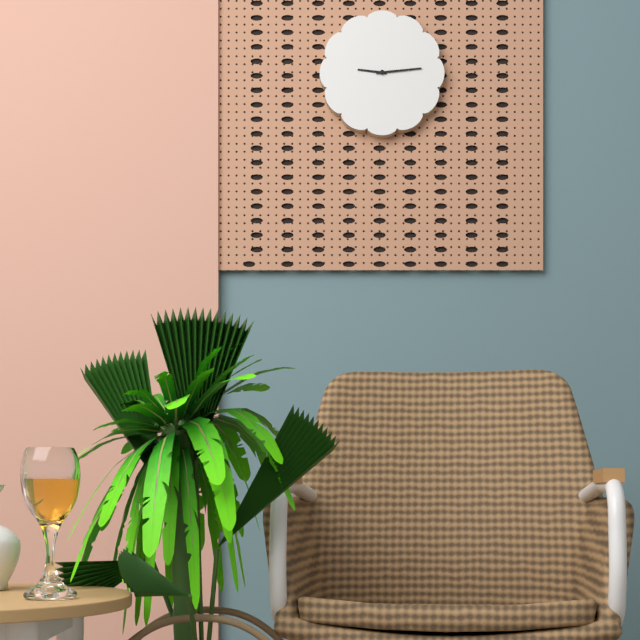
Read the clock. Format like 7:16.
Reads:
9:14
